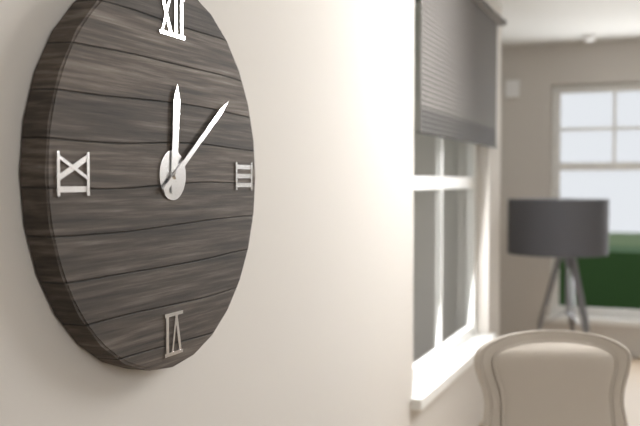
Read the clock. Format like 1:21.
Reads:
12:09
